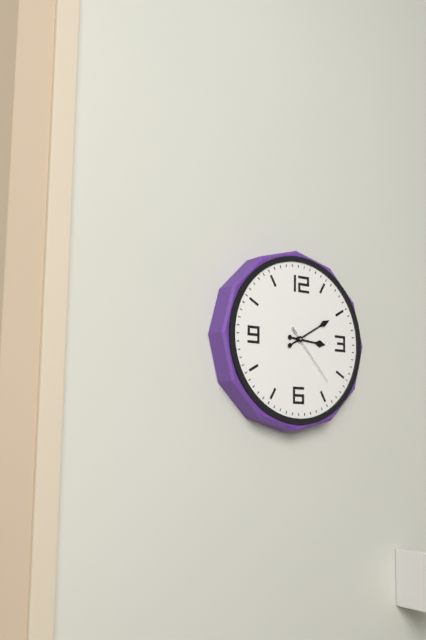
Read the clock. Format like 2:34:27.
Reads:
3:10:23
